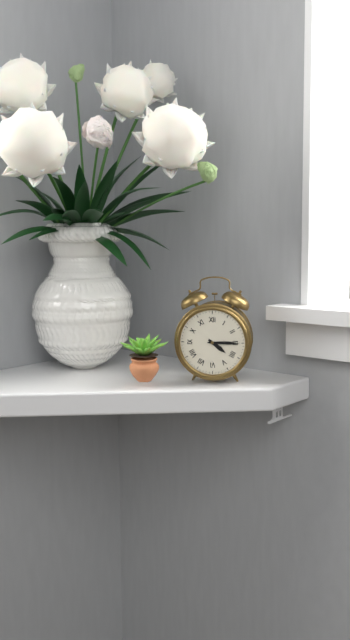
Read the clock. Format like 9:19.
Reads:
4:15
